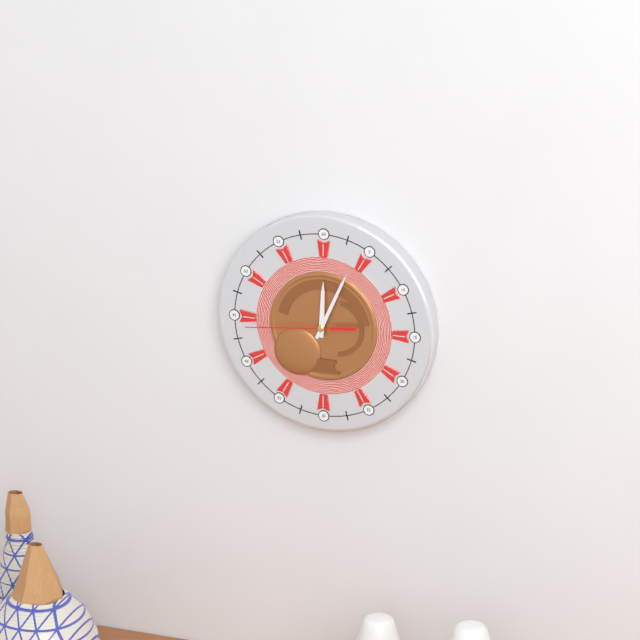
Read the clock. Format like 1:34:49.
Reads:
12:04:44
